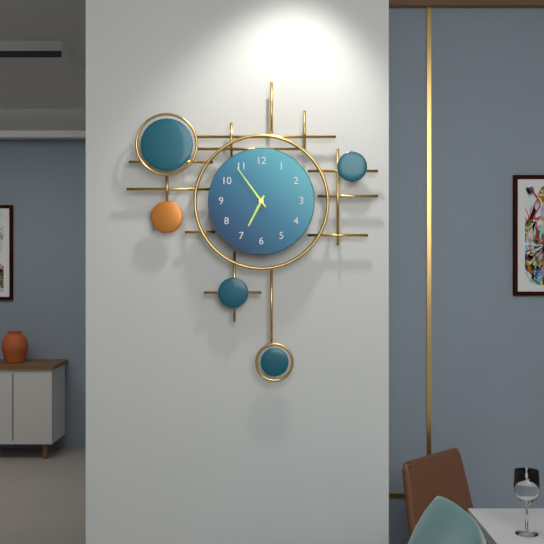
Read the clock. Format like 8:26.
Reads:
6:54
